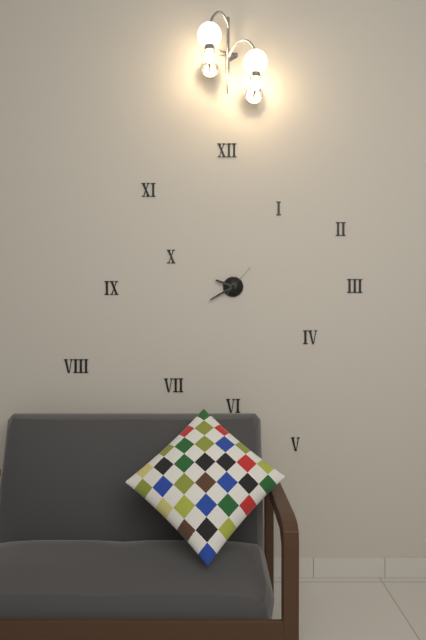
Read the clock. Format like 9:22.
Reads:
9:40
